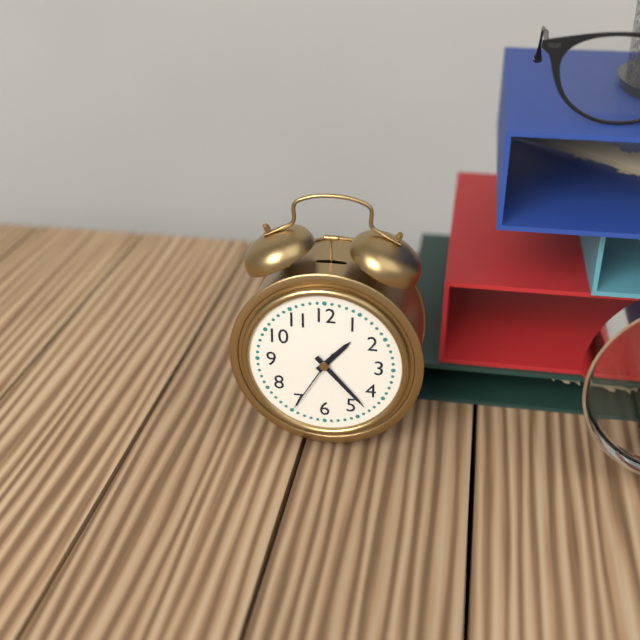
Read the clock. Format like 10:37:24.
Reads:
1:23:35
